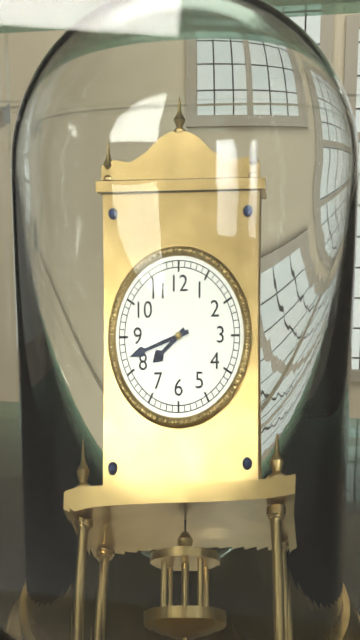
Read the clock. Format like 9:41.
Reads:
7:42
